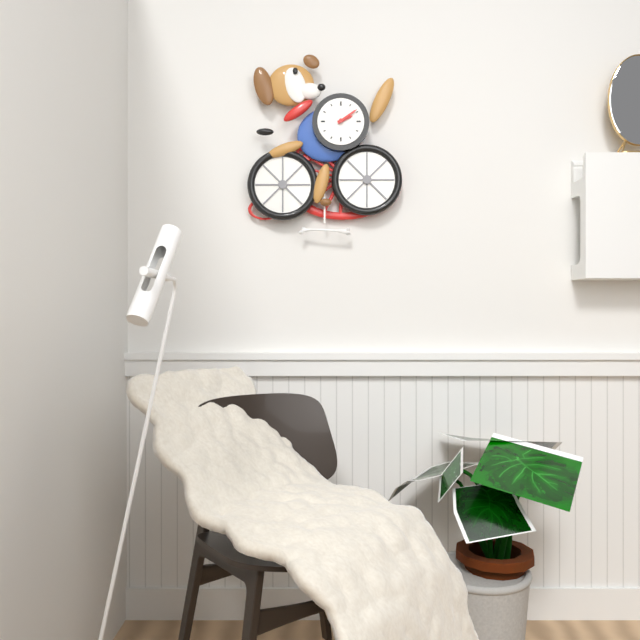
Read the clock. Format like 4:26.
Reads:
2:09
